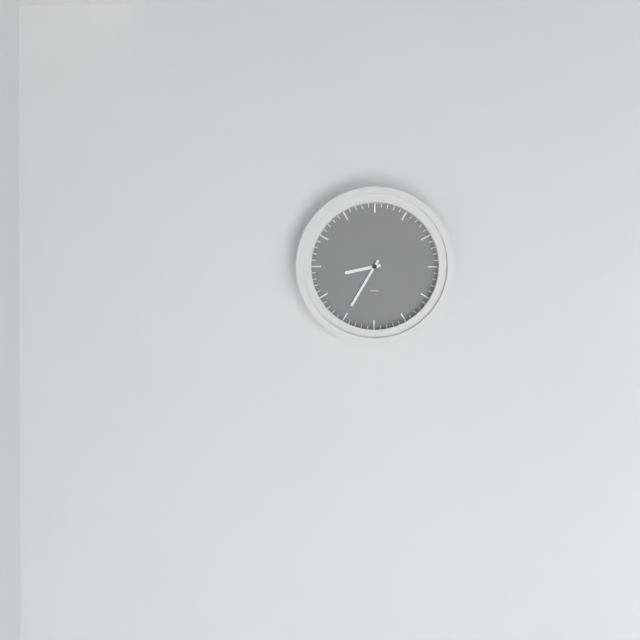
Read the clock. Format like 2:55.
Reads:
8:35
